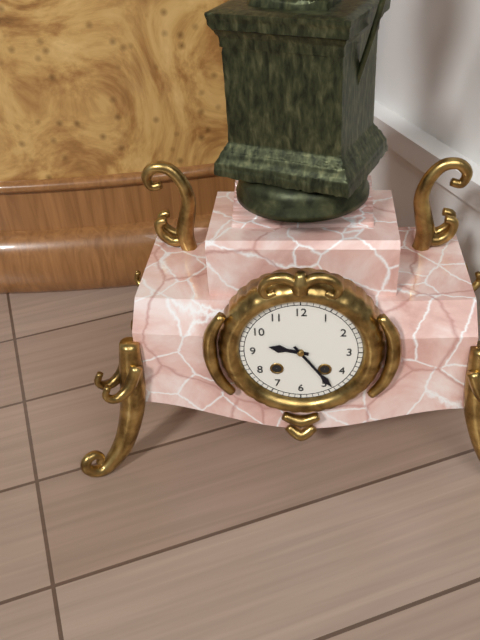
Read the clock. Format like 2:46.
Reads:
9:24
